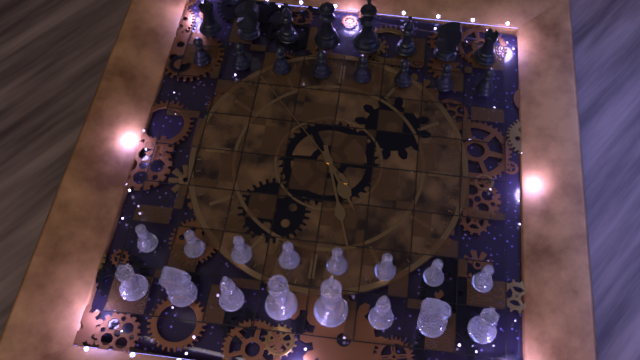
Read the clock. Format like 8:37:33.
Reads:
10:57:23
